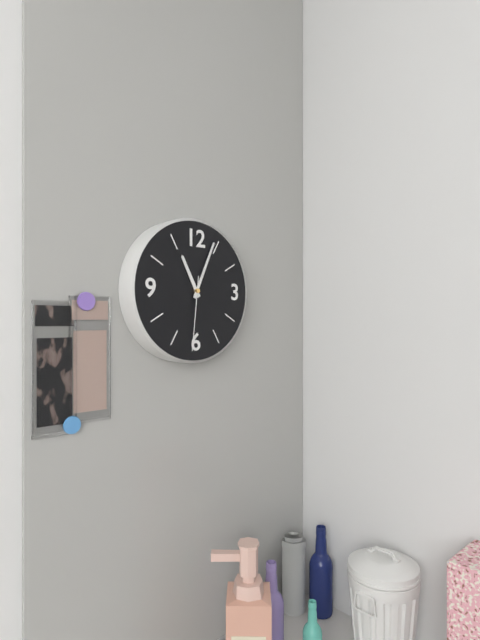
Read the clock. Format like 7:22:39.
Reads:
11:04:31
